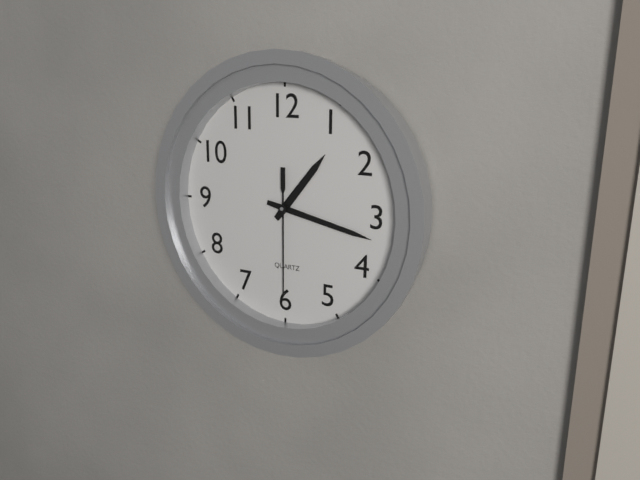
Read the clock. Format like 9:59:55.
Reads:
1:17:30
